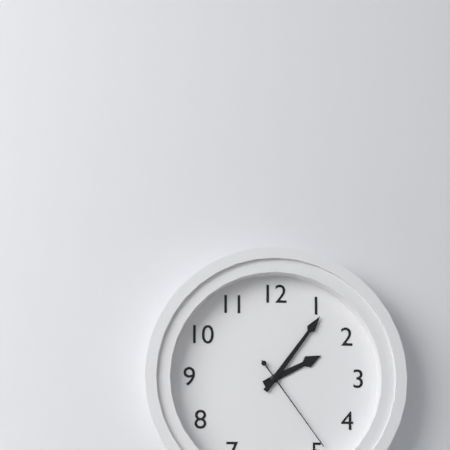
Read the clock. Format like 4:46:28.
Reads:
2:06:24
